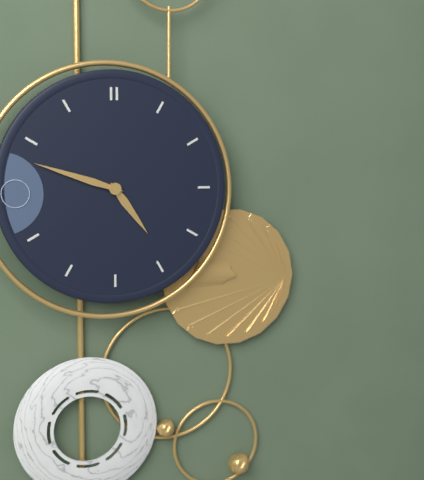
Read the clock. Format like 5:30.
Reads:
4:48
